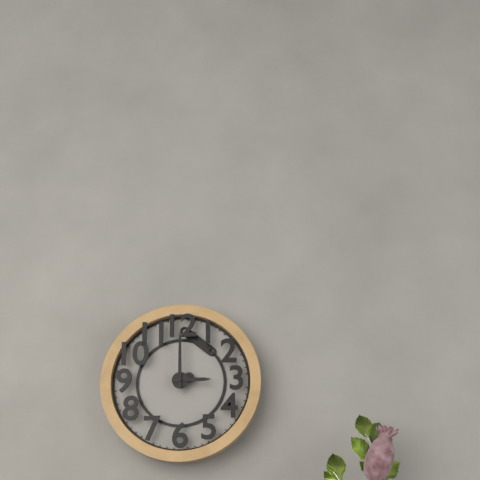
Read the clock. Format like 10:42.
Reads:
3:00
